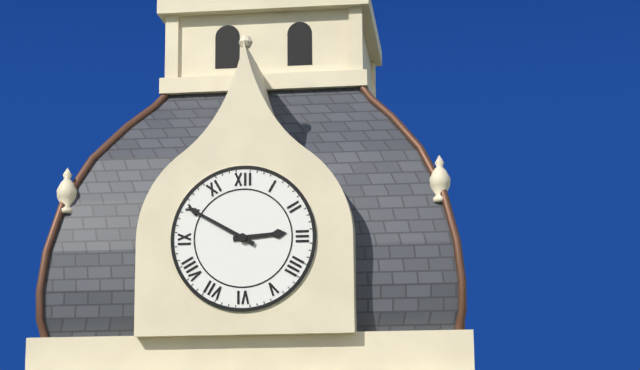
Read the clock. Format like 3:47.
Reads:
2:50
